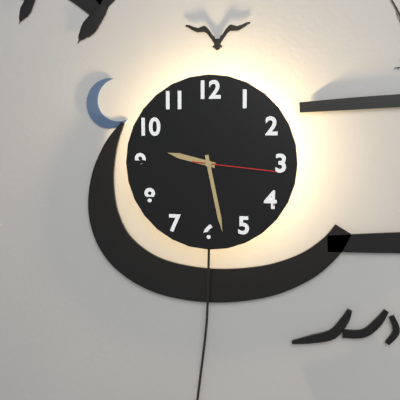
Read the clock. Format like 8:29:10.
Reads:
9:28:16
